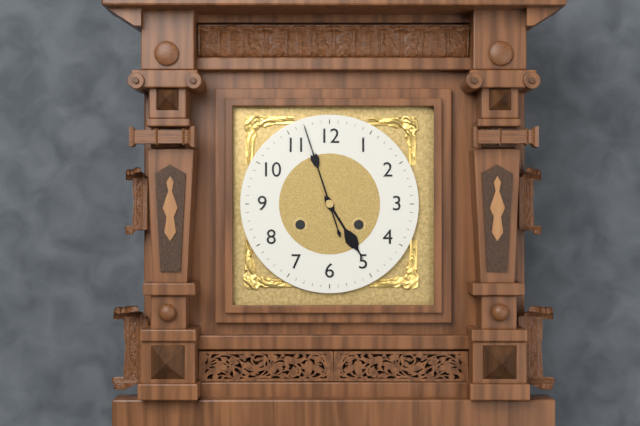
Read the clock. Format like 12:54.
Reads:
4:57
